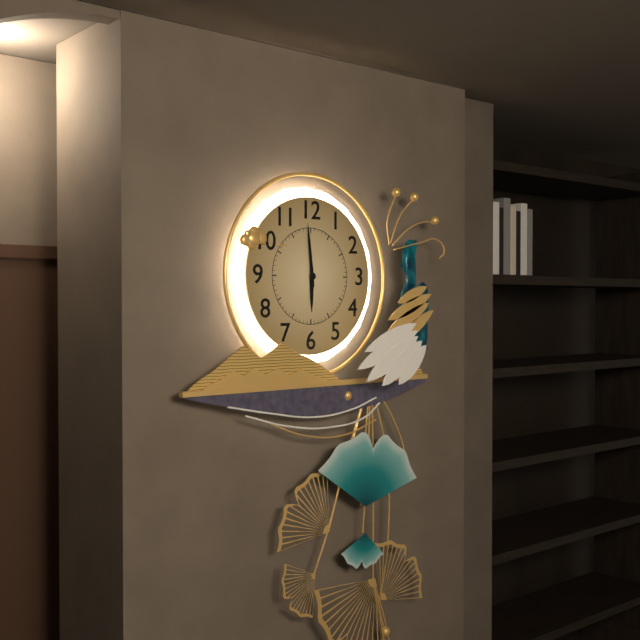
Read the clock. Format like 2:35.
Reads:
5:59
